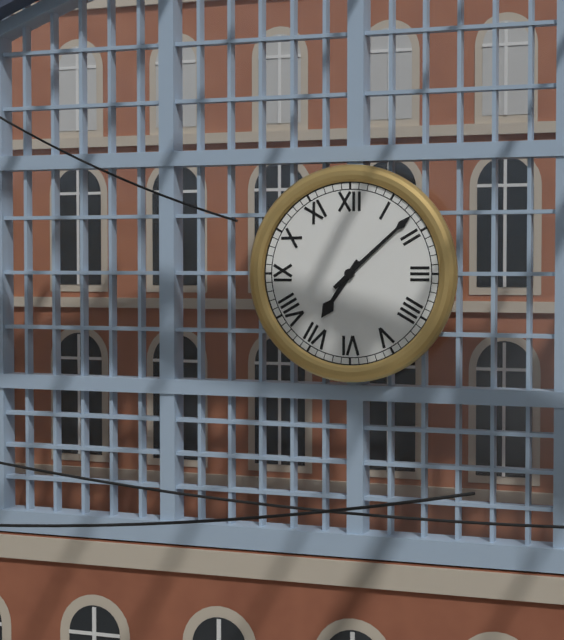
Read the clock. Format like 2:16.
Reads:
7:08
